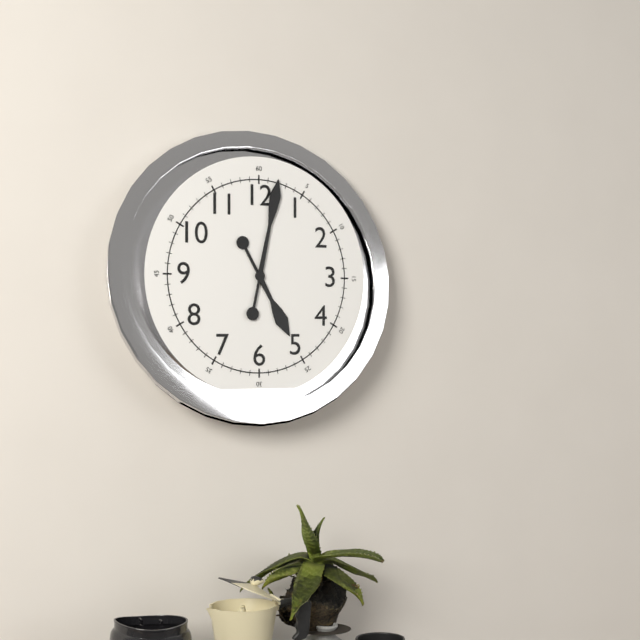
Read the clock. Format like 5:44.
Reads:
5:02
